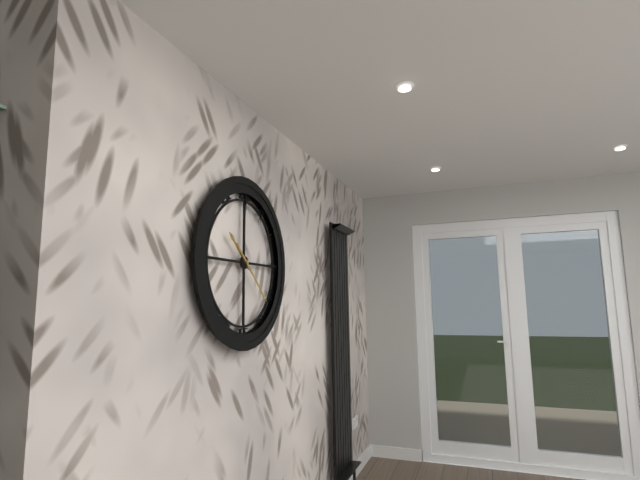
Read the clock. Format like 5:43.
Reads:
10:22
